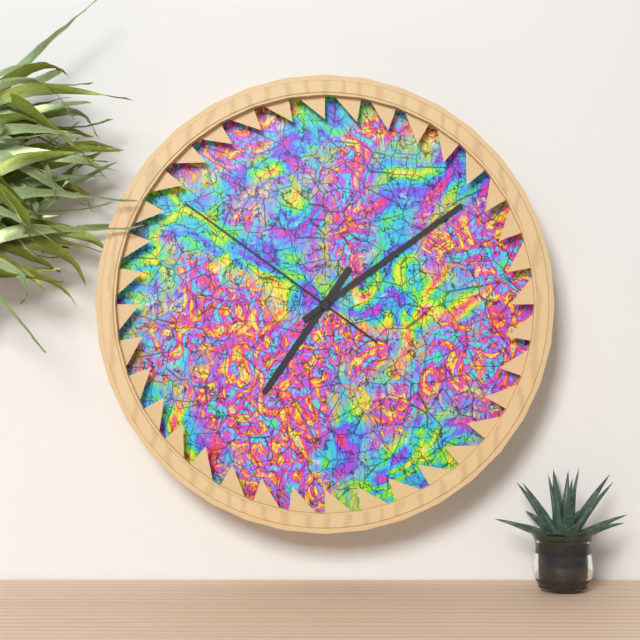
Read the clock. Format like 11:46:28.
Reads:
7:09:51
